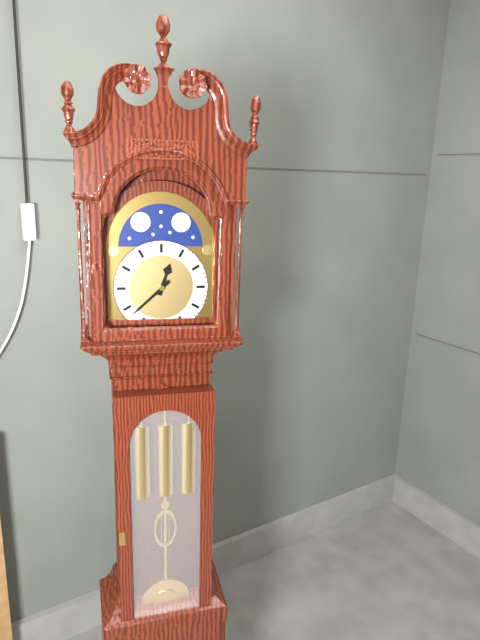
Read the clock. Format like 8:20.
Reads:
12:38
